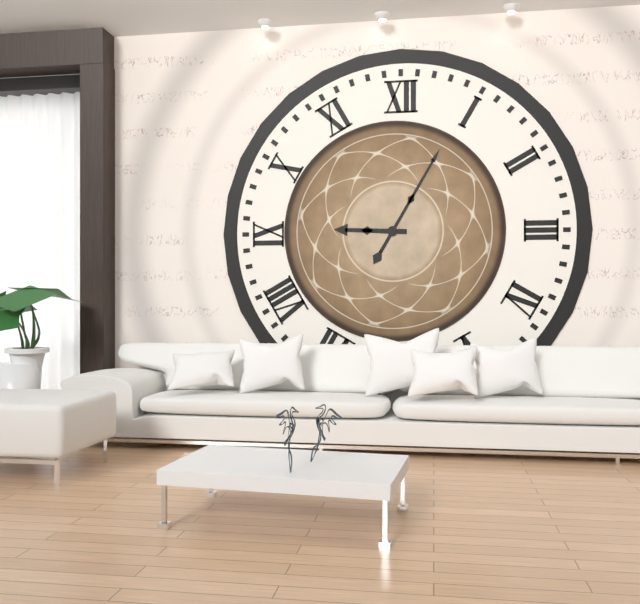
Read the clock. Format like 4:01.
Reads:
9:05
